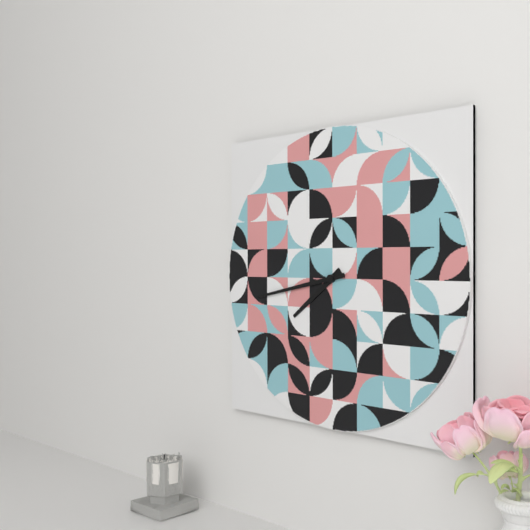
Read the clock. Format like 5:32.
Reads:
7:43
